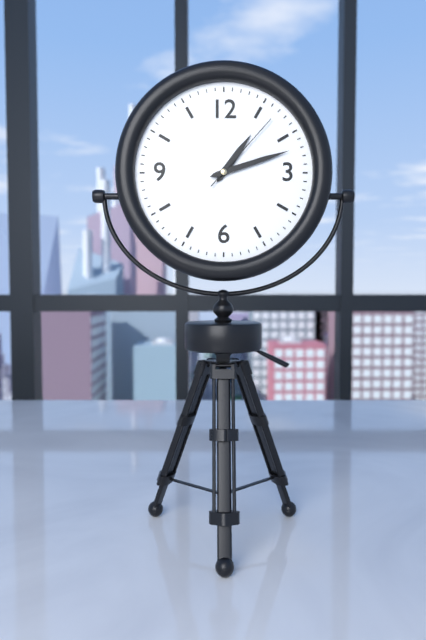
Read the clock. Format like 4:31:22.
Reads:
1:12:07
